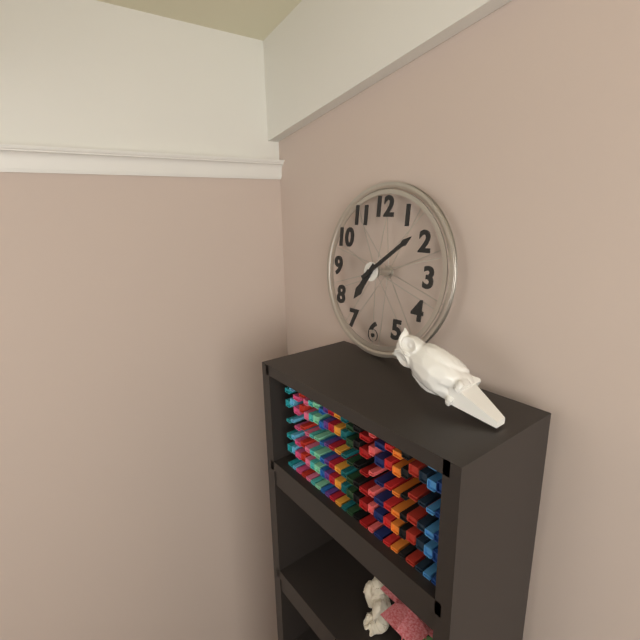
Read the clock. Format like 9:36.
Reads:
7:09
